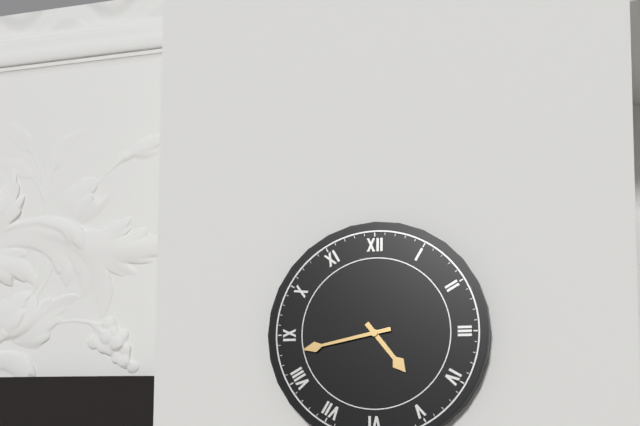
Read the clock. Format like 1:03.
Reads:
4:43
